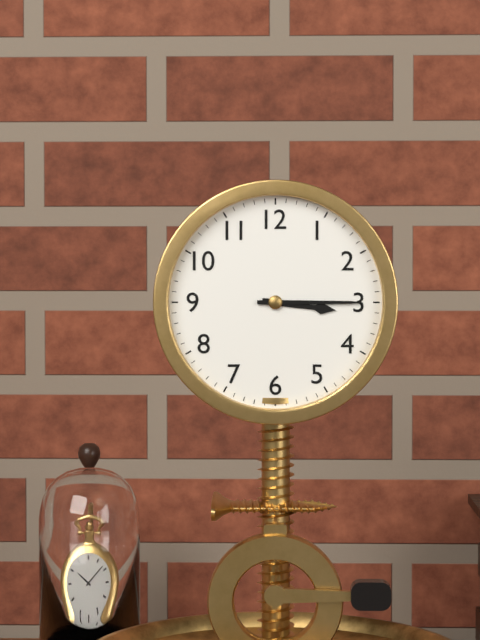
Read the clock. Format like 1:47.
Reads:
3:15
